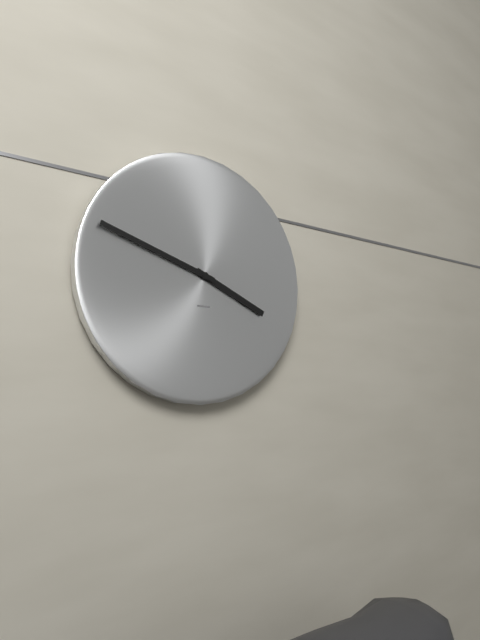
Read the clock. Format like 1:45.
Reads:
3:48
